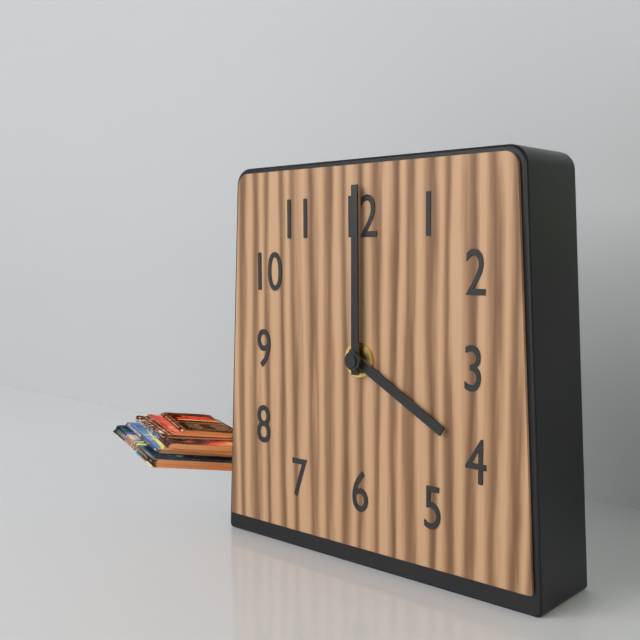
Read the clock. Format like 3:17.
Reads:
4:00
